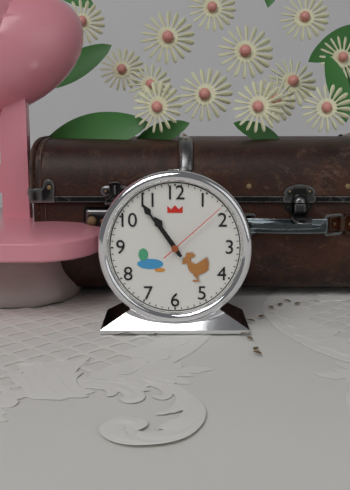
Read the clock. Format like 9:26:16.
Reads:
10:54:08
